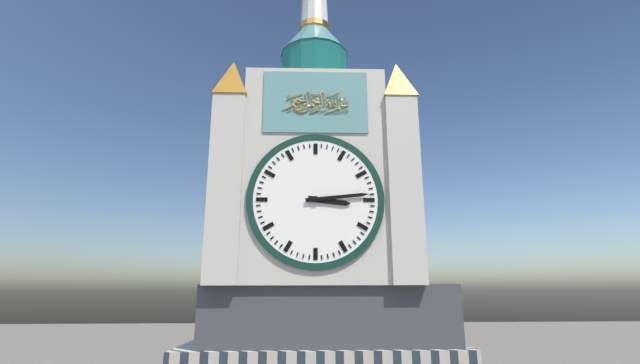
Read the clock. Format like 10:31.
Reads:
3:14
